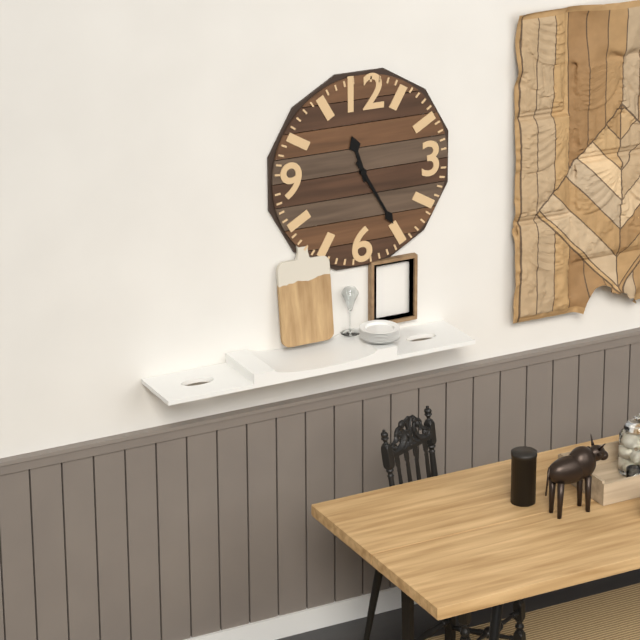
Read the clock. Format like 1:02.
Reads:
11:25
